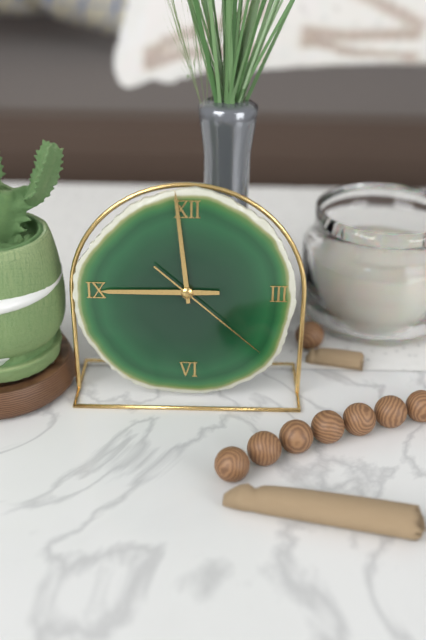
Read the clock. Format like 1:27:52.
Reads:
8:59:22
